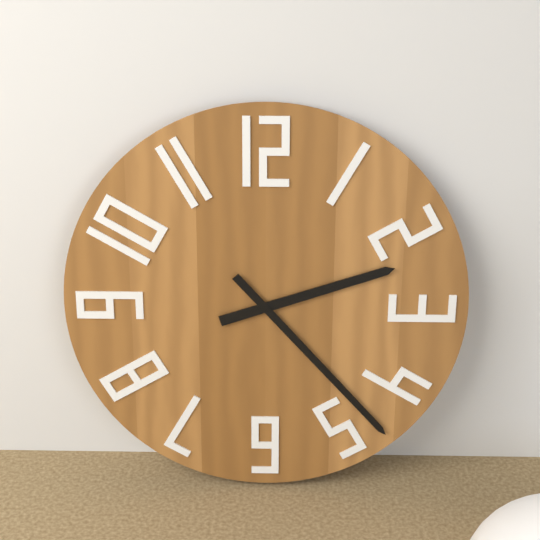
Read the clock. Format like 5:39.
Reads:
2:23
